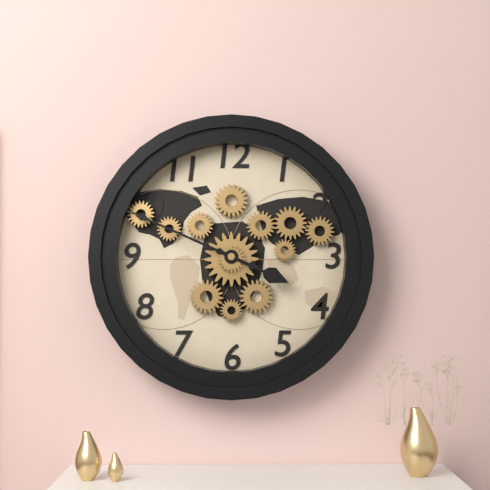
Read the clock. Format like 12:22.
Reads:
3:49
